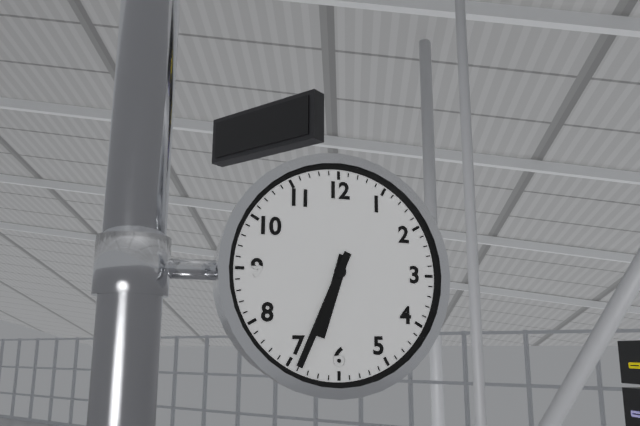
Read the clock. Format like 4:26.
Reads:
6:34
